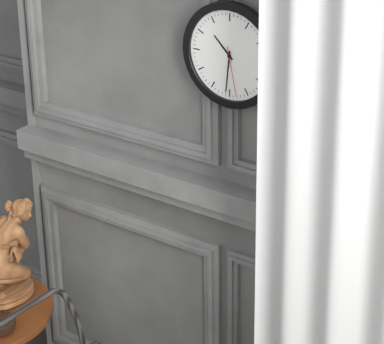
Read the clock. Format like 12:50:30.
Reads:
10:31:28
